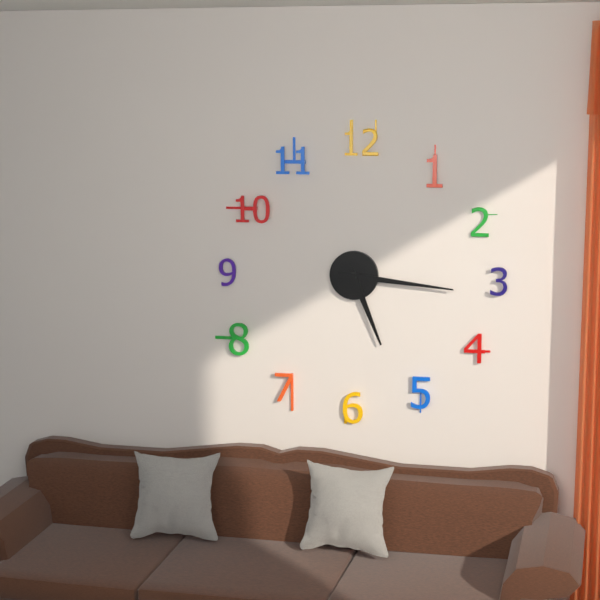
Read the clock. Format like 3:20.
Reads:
5:16
